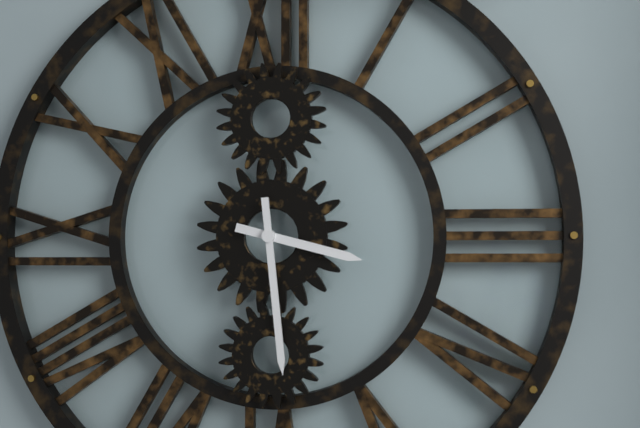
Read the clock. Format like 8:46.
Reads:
3:29
